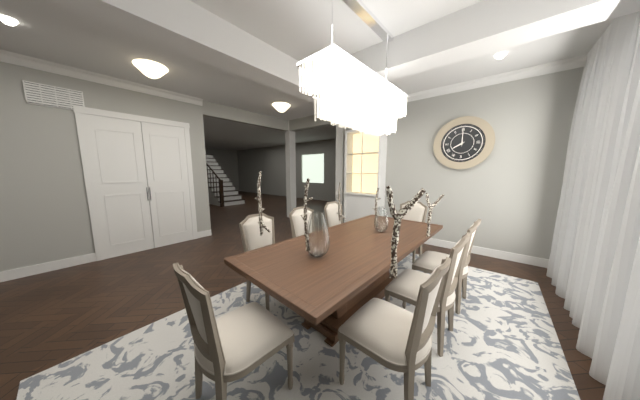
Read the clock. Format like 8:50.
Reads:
8:00
